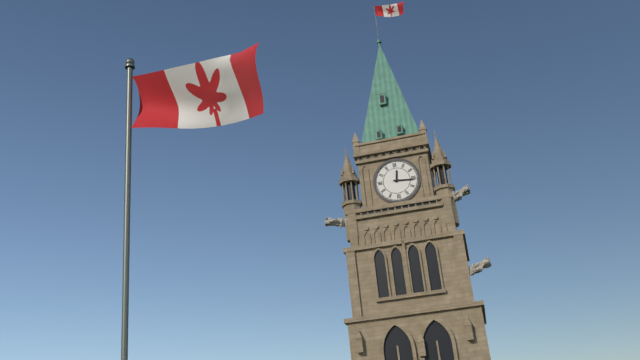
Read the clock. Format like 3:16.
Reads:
12:16
